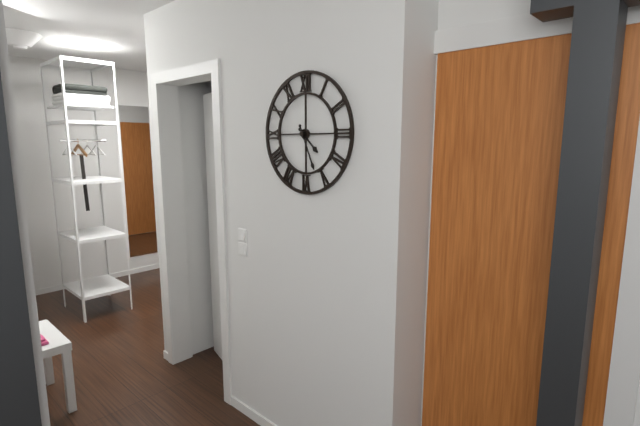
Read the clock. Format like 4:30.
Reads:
4:26
